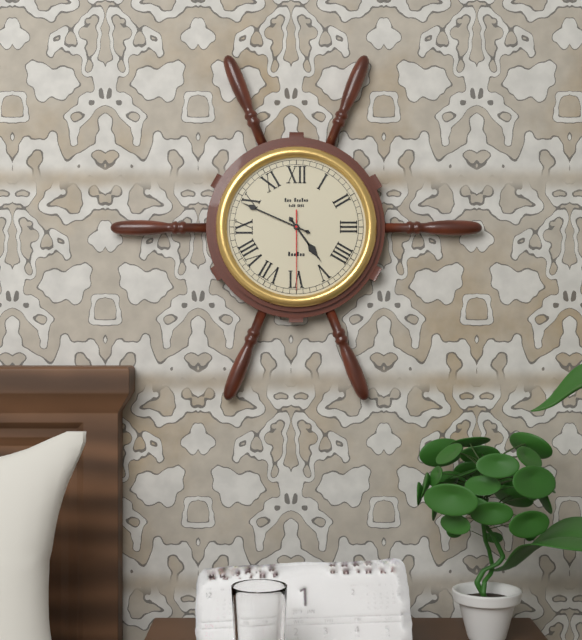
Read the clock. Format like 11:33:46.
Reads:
4:49:30
